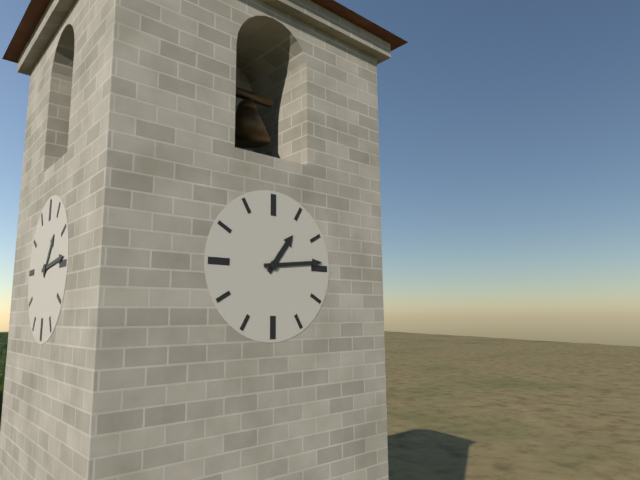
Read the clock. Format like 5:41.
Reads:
1:14
